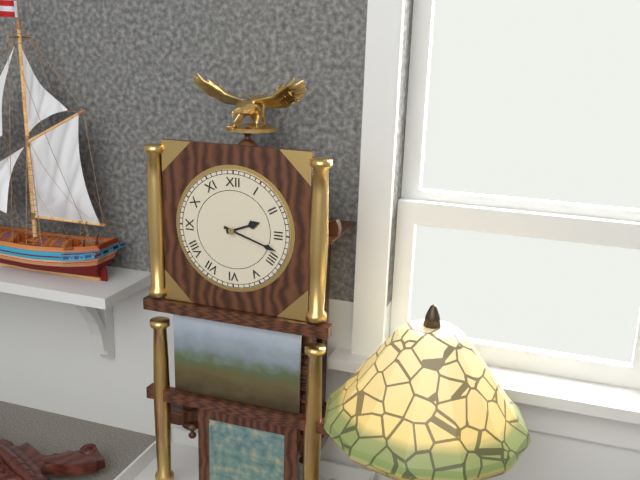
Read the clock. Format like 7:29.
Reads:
2:18
